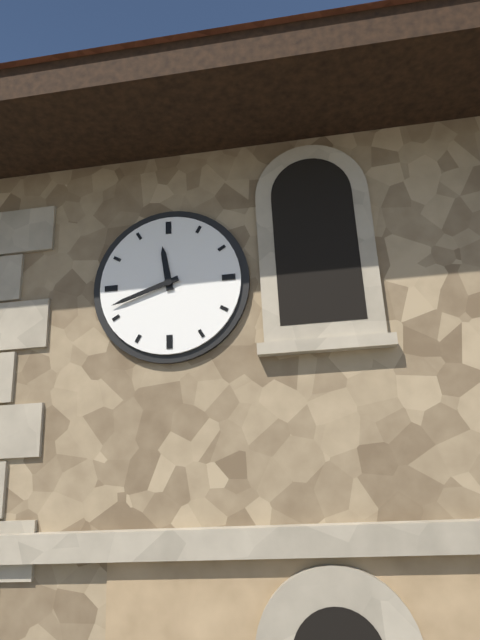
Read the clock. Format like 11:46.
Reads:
11:42
